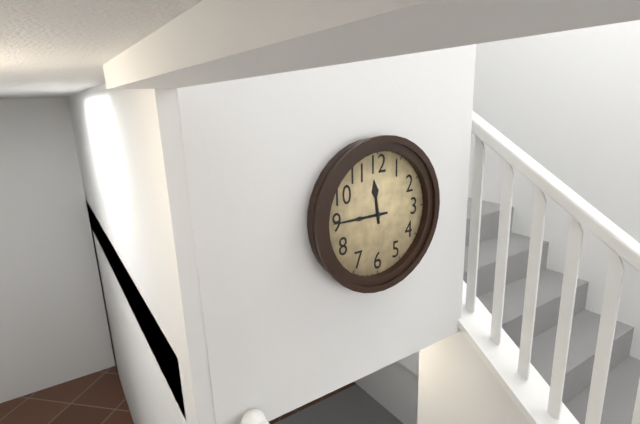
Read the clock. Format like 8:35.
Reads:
11:45
